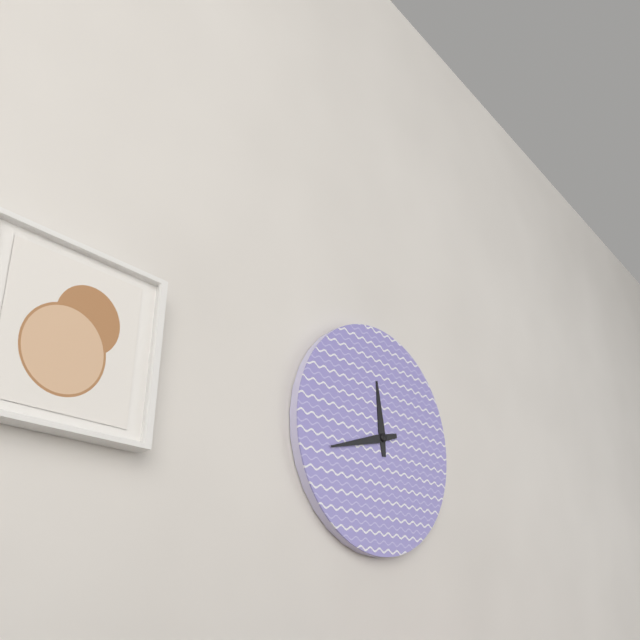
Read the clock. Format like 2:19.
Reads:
11:42
